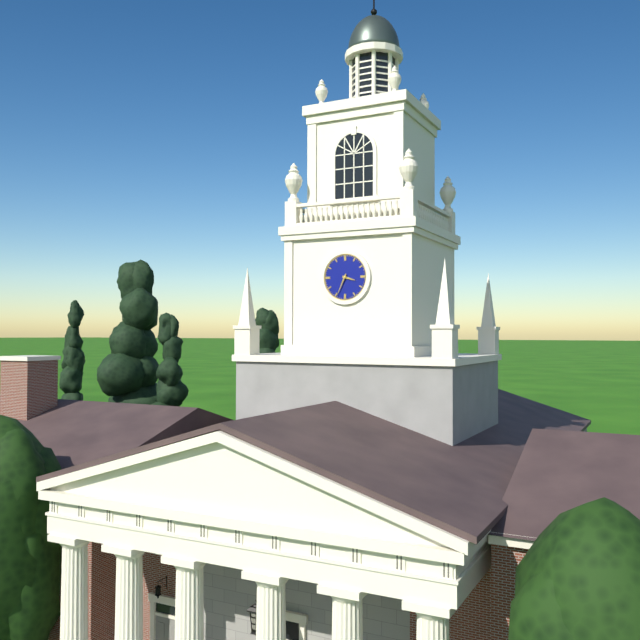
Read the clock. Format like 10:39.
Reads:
3:34
